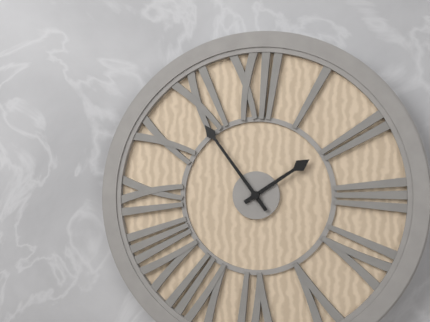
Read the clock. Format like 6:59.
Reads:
1:54
